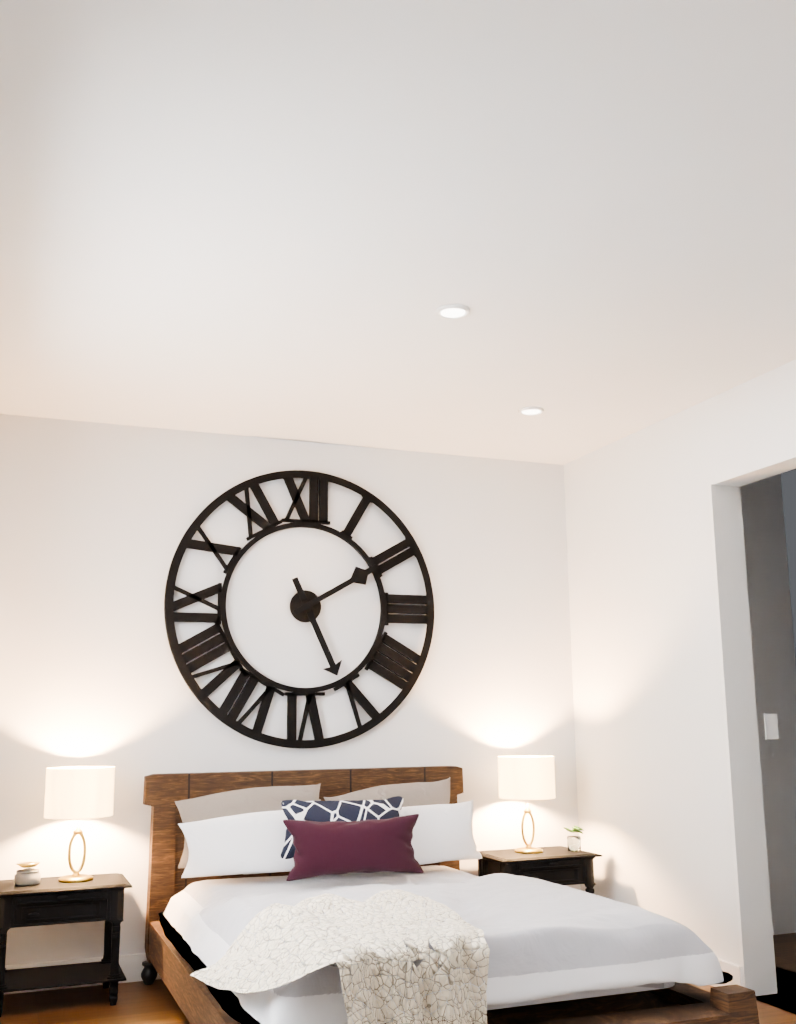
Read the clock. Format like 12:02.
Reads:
5:10
